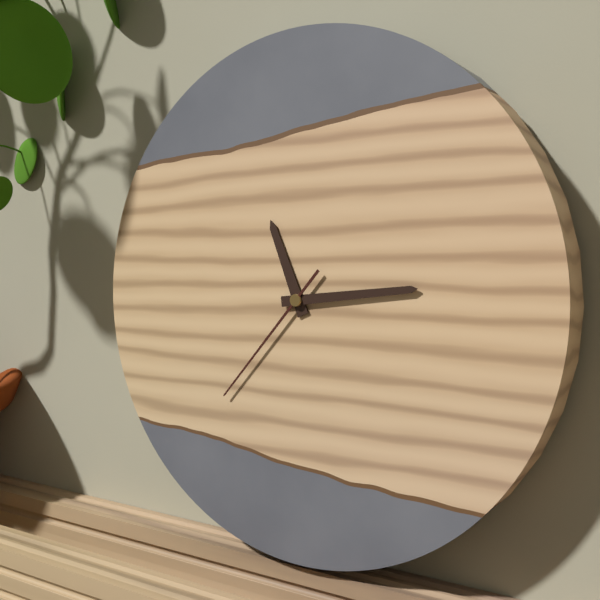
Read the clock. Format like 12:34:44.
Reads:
11:14:37
